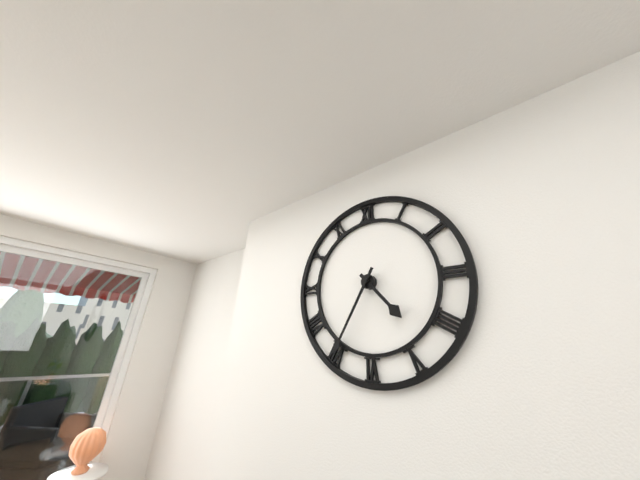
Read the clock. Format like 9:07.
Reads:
4:35
